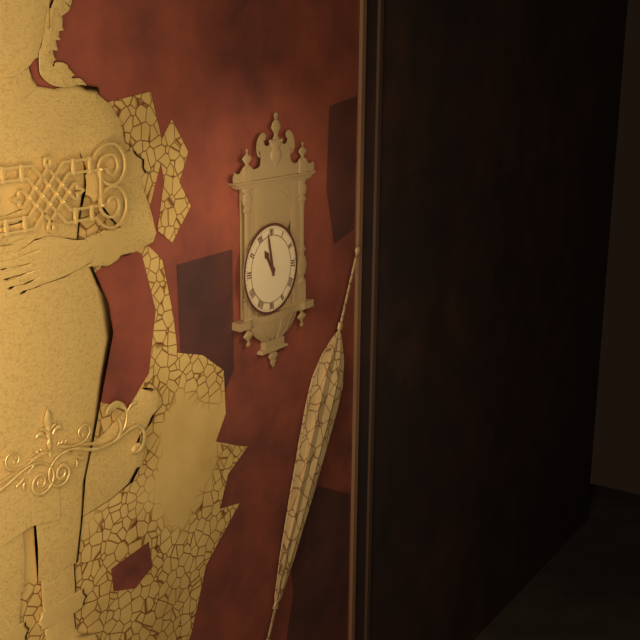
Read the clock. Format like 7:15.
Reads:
10:58
